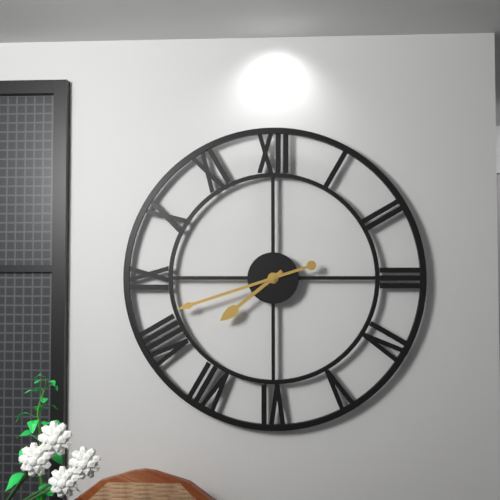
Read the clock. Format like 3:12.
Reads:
7:42
